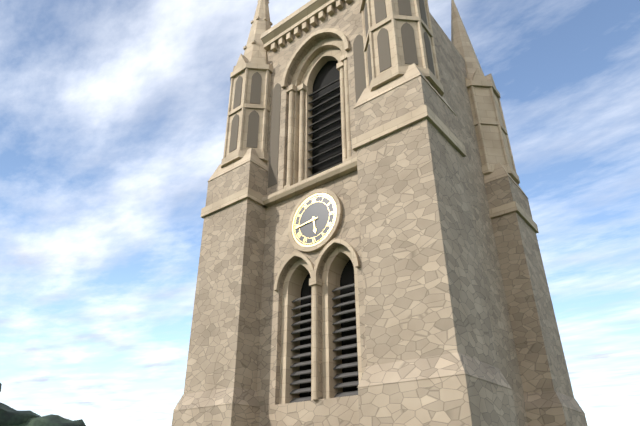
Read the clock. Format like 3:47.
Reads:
5:44
